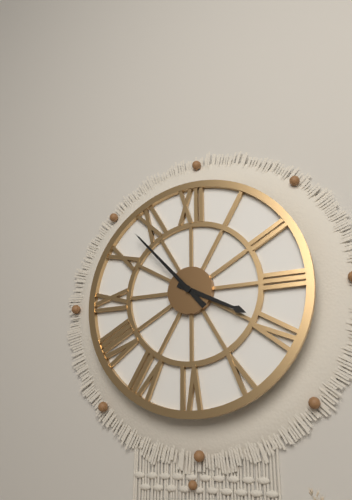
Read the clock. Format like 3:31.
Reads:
3:53
